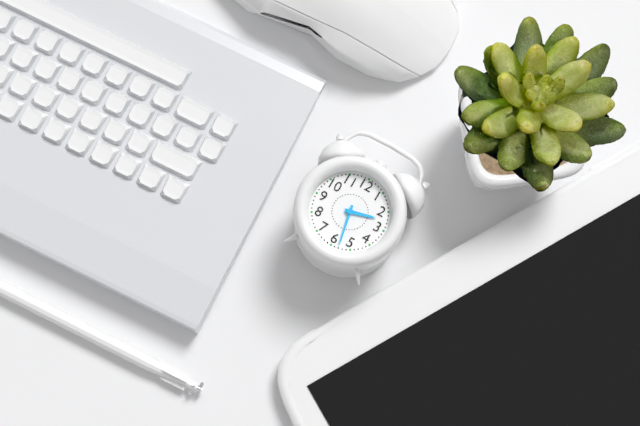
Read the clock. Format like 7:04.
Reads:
2:28
